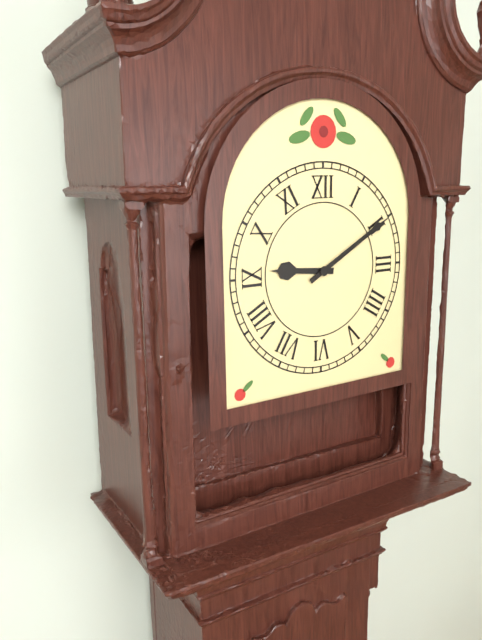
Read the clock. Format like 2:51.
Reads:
9:10
